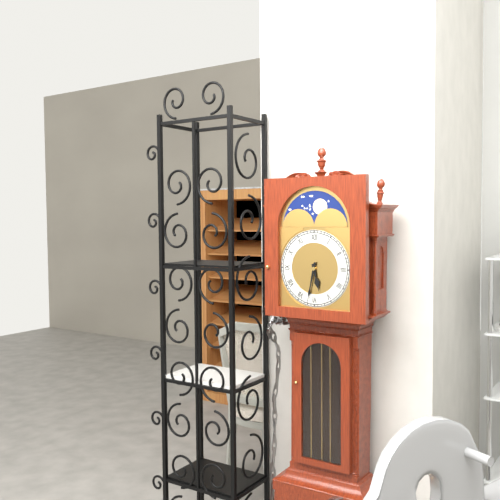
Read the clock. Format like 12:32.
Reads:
5:32
